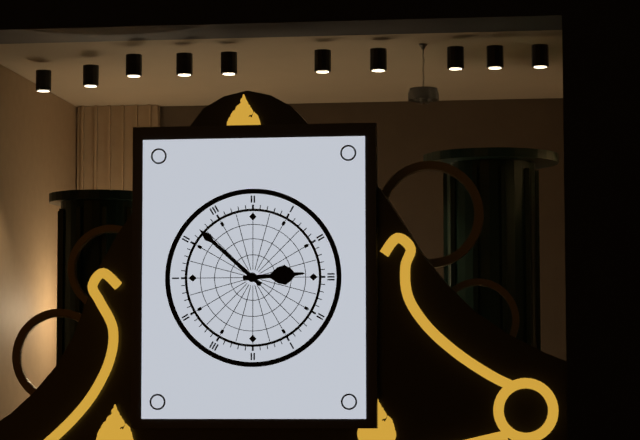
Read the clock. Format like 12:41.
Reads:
2:52
